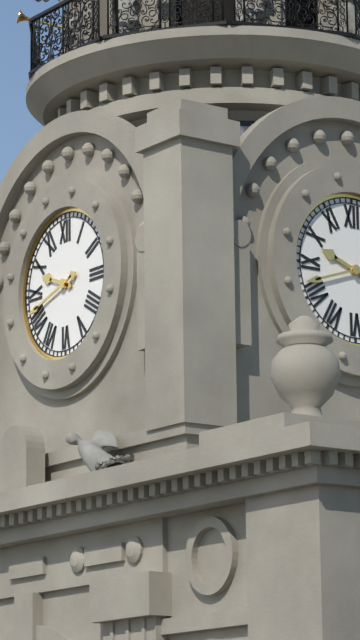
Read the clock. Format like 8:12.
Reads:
9:42
